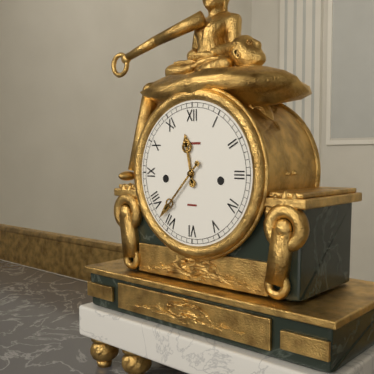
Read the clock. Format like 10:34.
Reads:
11:37
